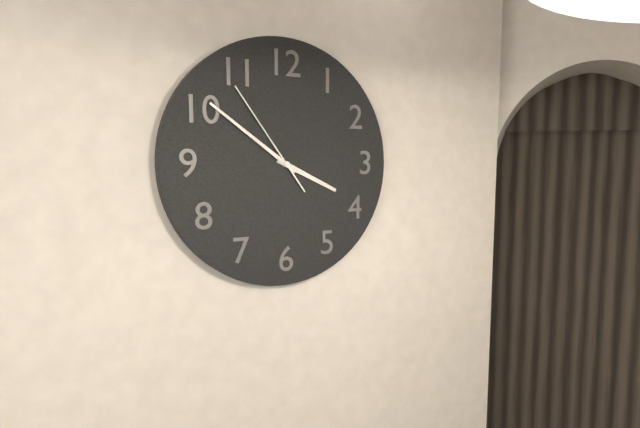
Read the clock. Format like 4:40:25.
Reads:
3:51:54
